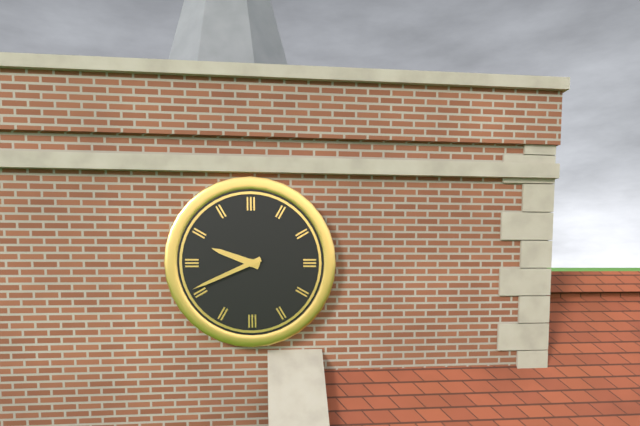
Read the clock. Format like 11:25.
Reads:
9:41
